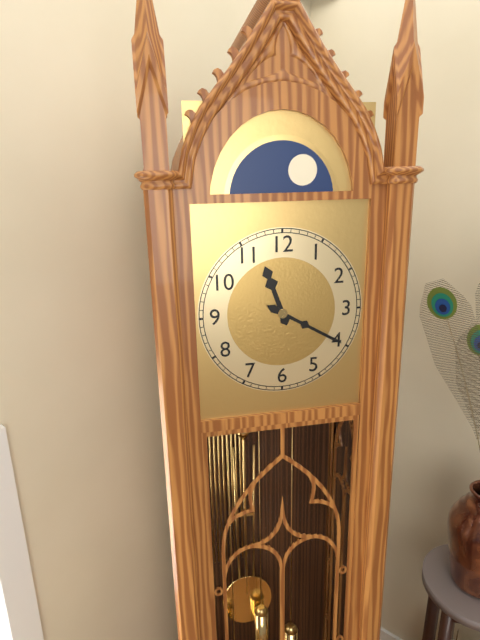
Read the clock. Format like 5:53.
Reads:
11:20
